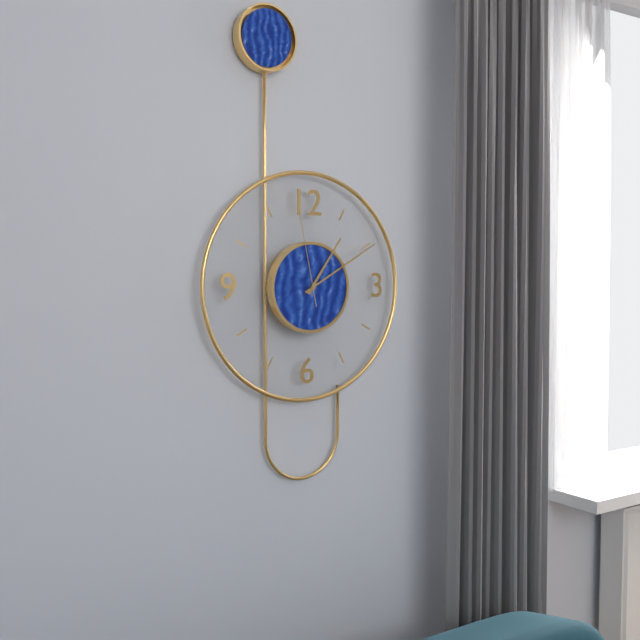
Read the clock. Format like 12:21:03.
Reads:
1:10:58
